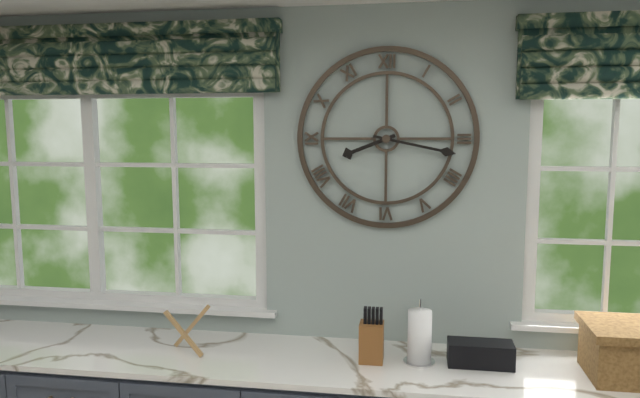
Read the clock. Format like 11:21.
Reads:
8:17
